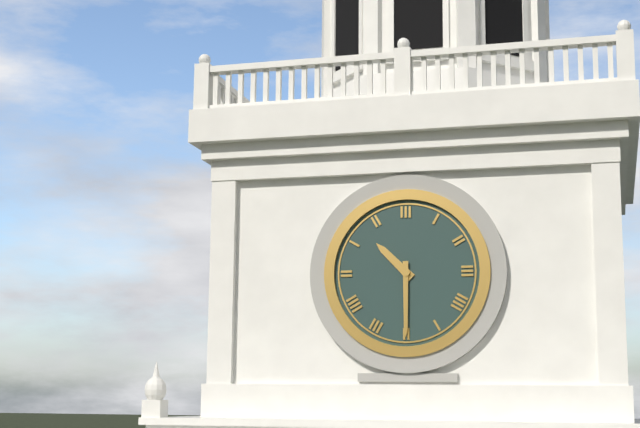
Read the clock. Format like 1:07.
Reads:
10:30
